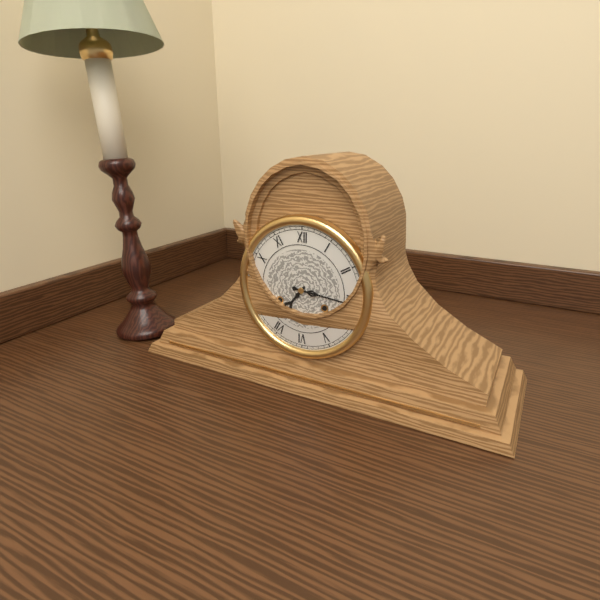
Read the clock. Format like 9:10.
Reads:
7:16
